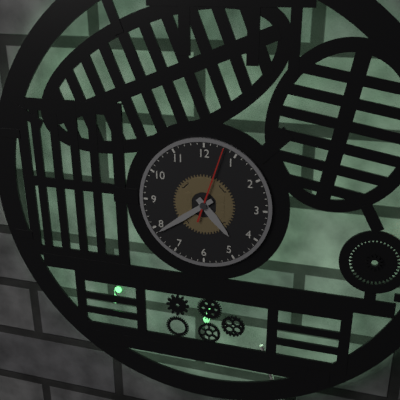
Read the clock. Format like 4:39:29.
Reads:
4:39:03
